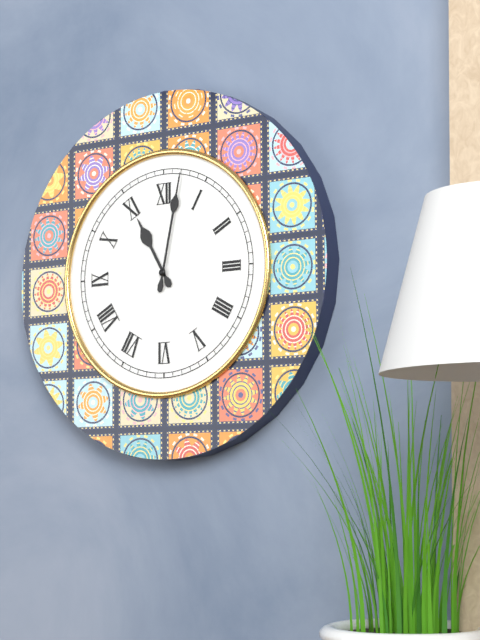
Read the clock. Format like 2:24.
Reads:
11:02
